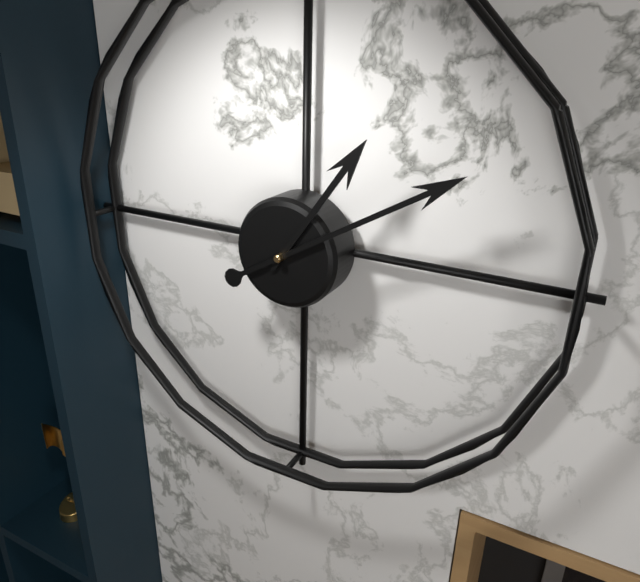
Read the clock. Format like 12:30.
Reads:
1:10
